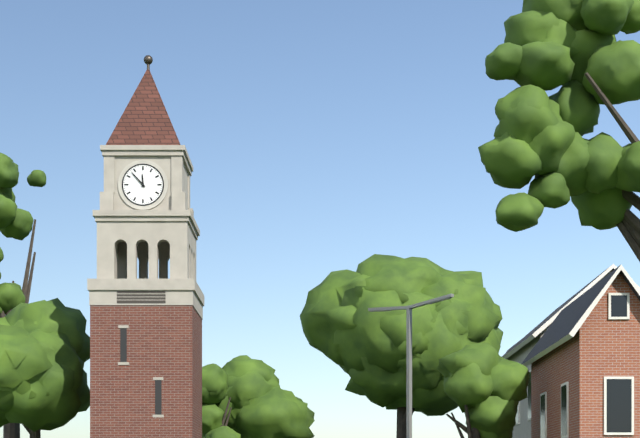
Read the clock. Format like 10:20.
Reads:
11:53
